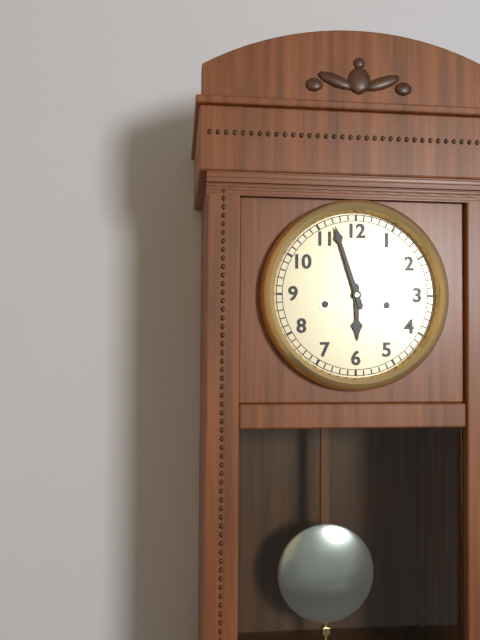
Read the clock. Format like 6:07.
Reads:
5:57
